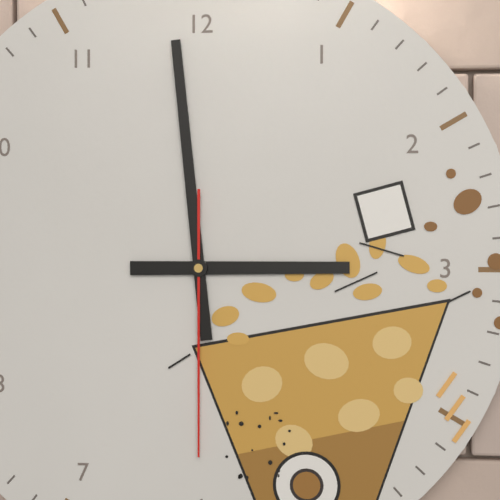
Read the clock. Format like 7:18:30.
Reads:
2:59:30
